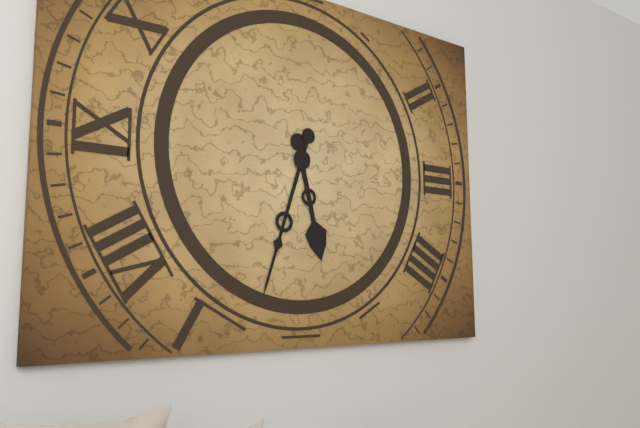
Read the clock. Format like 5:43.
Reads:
5:33
